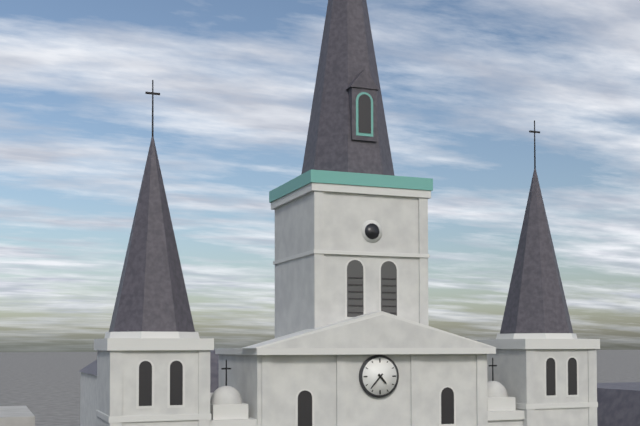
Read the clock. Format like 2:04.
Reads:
4:37
